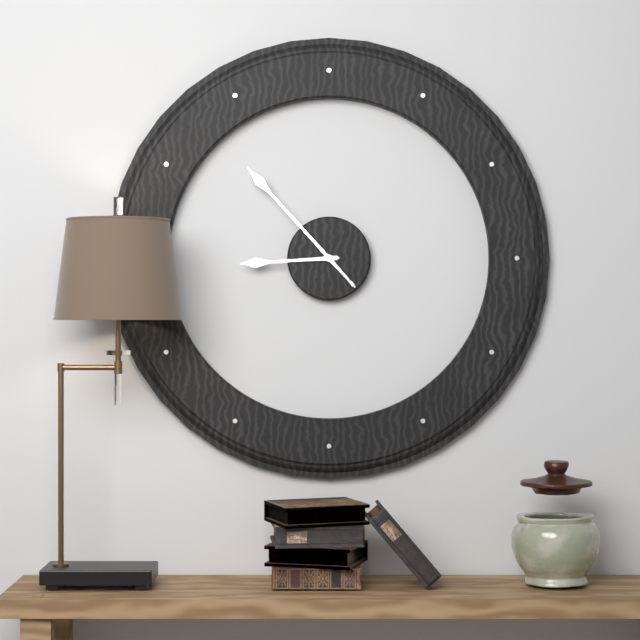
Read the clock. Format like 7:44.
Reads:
8:53
